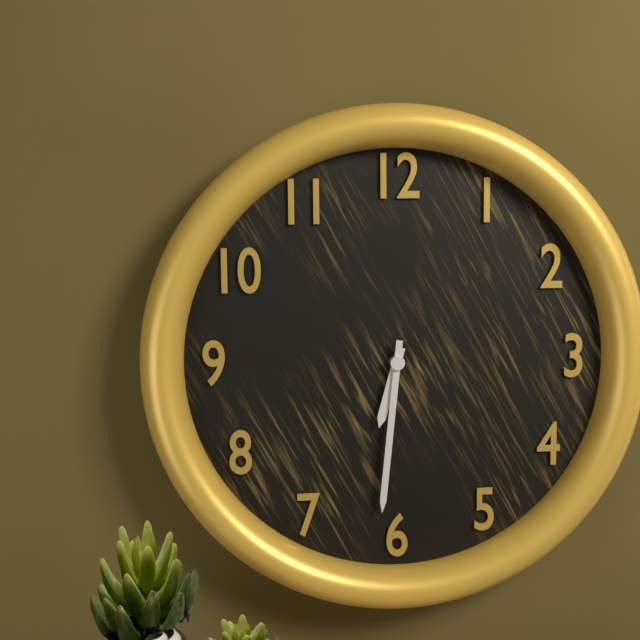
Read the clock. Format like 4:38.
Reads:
6:31
